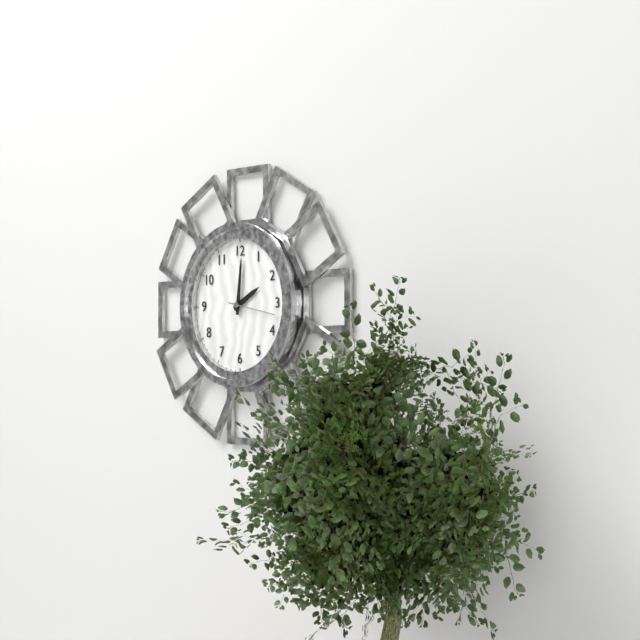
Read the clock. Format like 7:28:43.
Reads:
2:01:17
